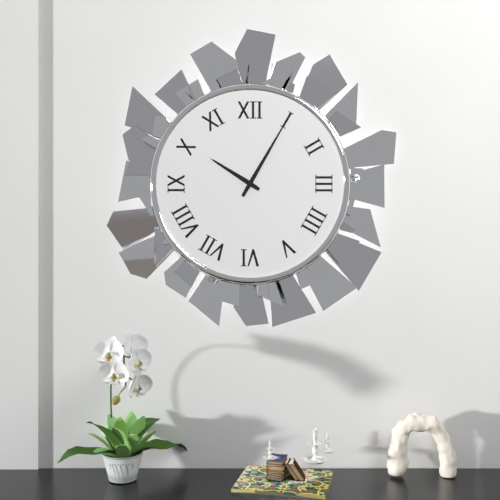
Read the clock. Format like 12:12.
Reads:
10:05
